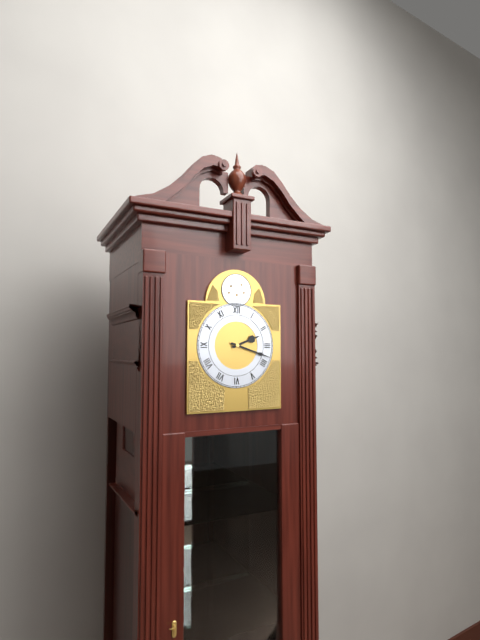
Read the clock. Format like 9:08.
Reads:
2:18
